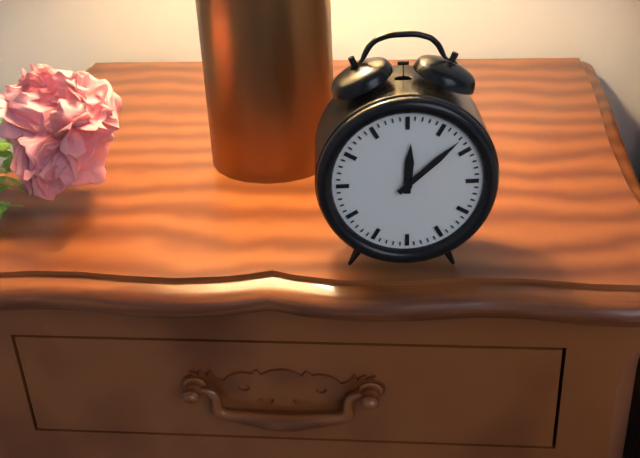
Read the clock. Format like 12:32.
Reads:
12:08
